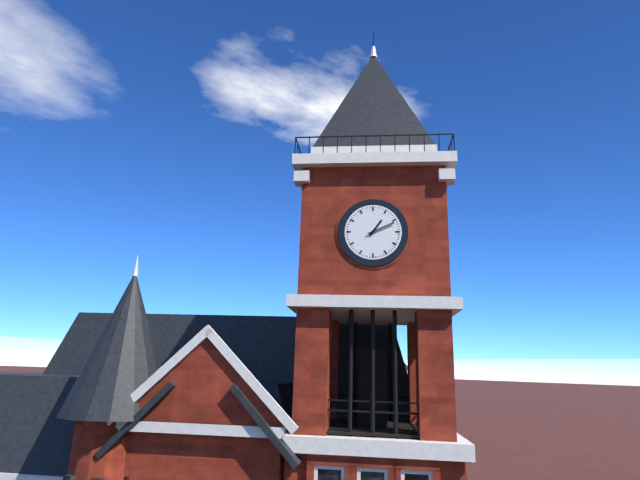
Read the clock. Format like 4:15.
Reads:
1:11
